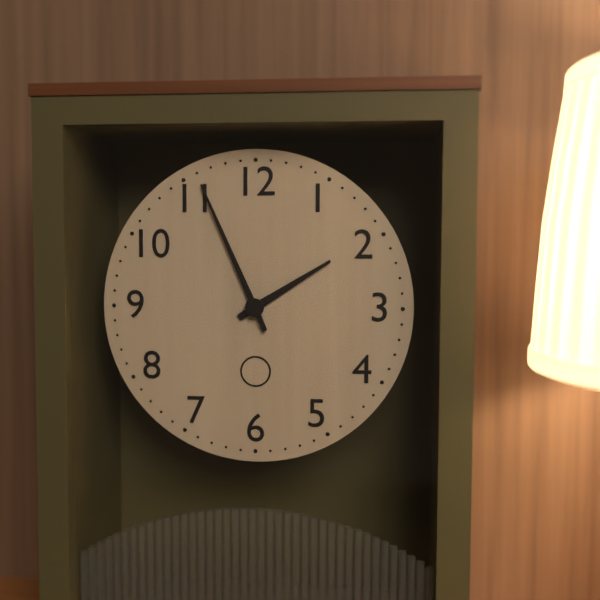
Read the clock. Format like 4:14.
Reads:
1:56
